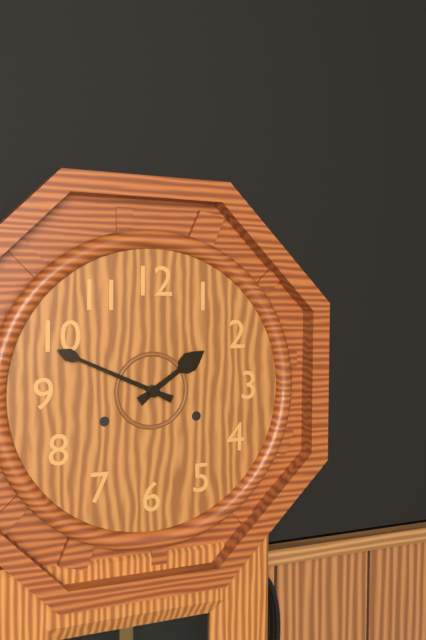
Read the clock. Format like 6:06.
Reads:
1:49
